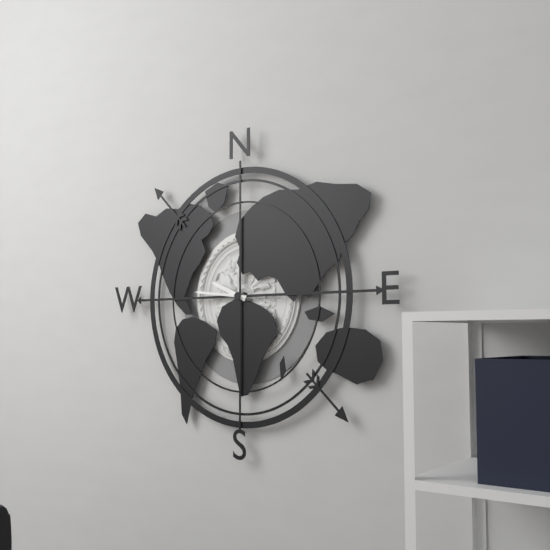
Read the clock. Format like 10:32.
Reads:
9:46
